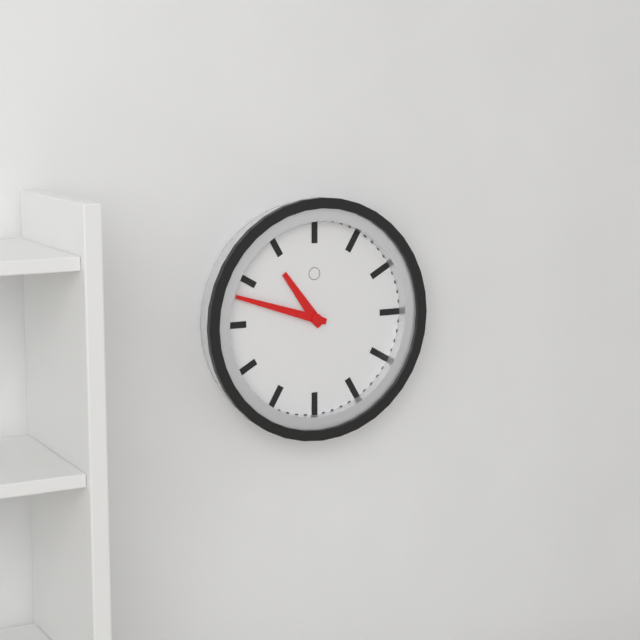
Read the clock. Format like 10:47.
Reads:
10:48
